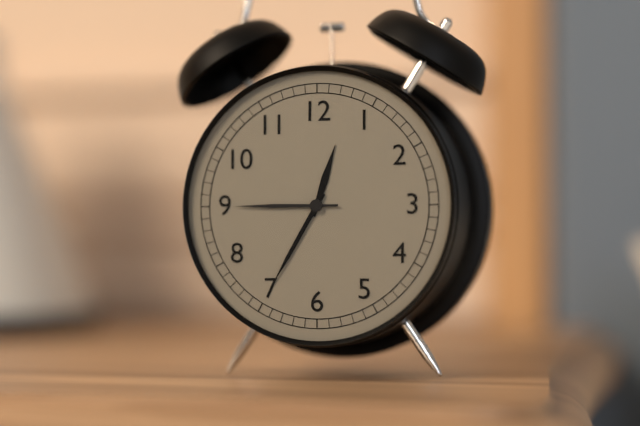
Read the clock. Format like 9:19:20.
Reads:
12:35:45
